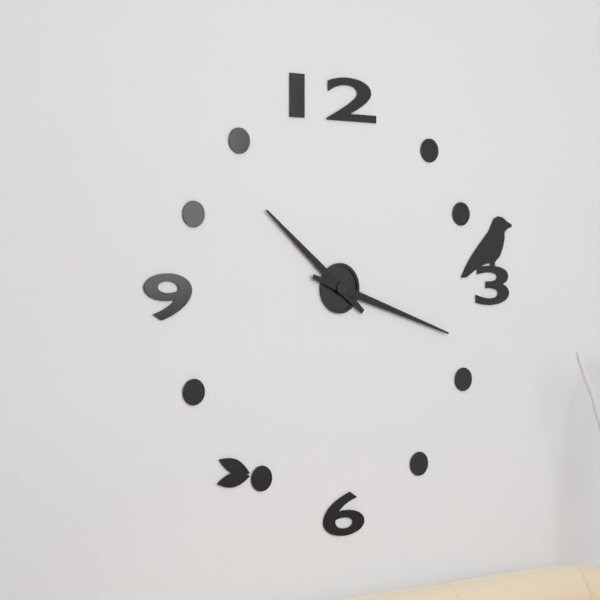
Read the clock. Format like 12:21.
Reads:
10:18
